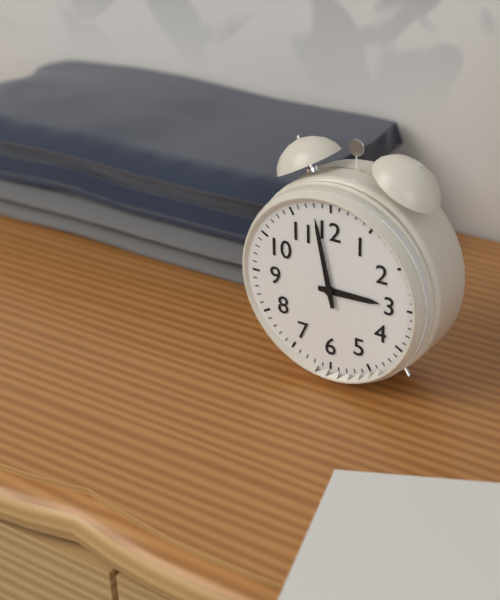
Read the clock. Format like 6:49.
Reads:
2:58
